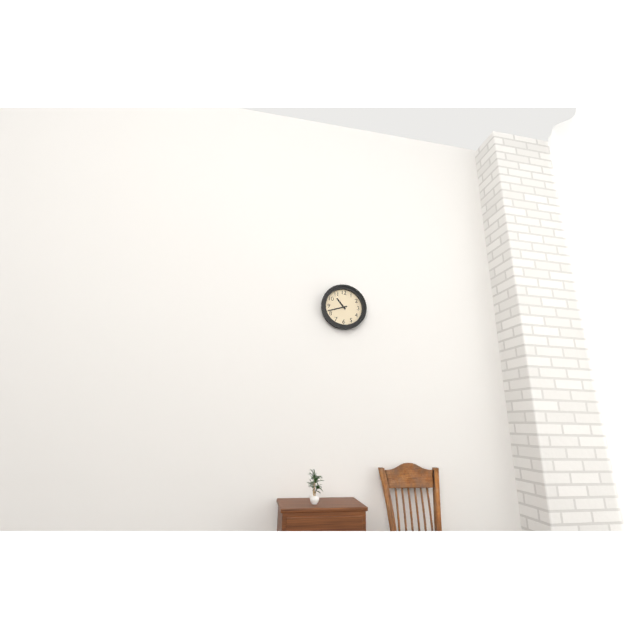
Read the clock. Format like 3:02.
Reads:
10:42
